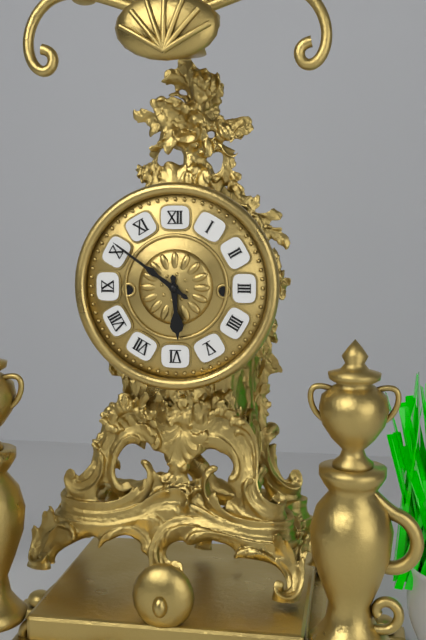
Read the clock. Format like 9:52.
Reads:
5:51
